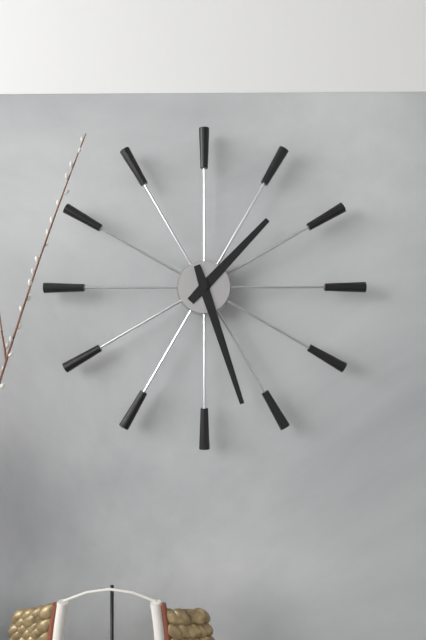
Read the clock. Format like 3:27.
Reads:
1:27
